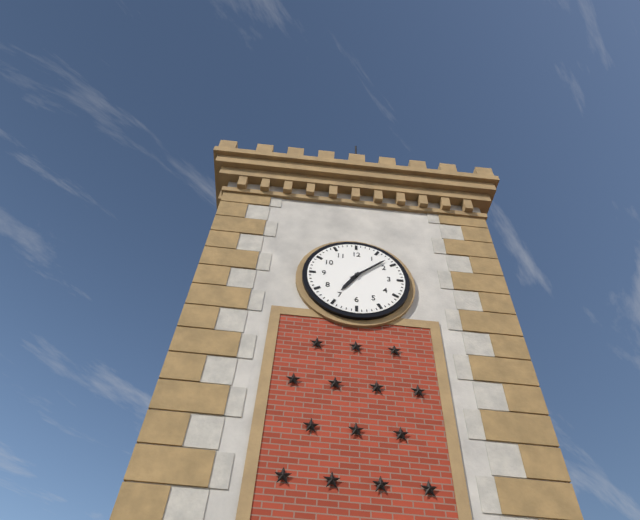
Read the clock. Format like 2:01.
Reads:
7:08
